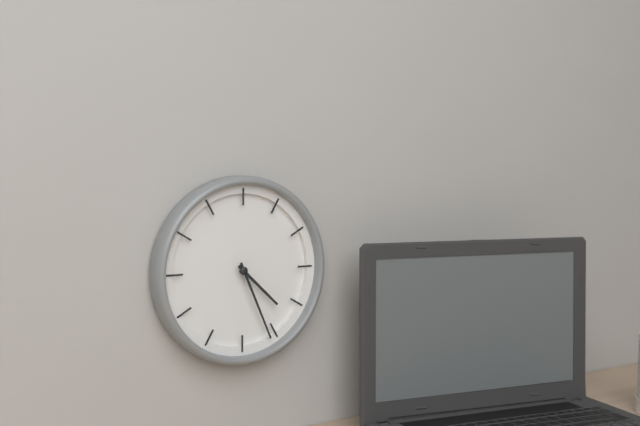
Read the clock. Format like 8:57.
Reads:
4:26
